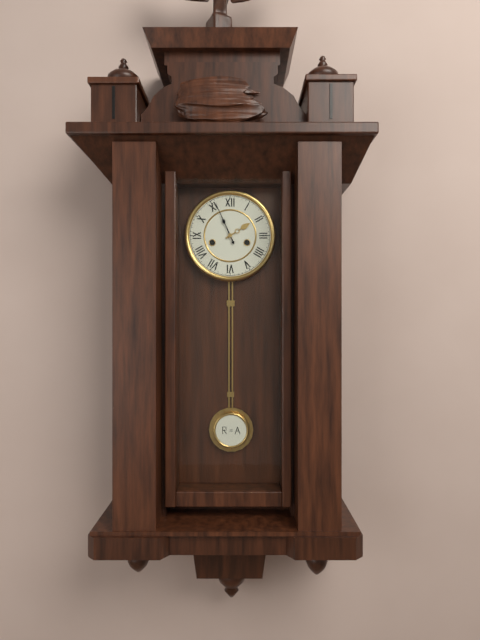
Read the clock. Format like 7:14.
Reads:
1:56
